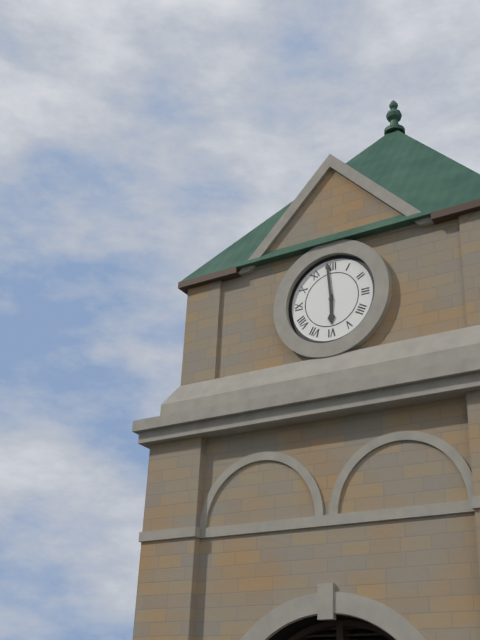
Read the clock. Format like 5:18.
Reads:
5:59
